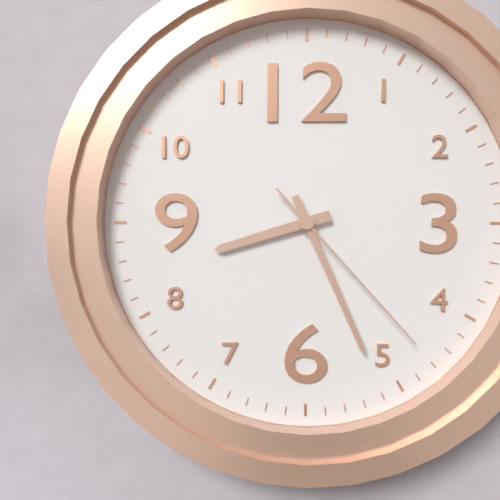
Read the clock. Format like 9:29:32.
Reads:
8:26:23
